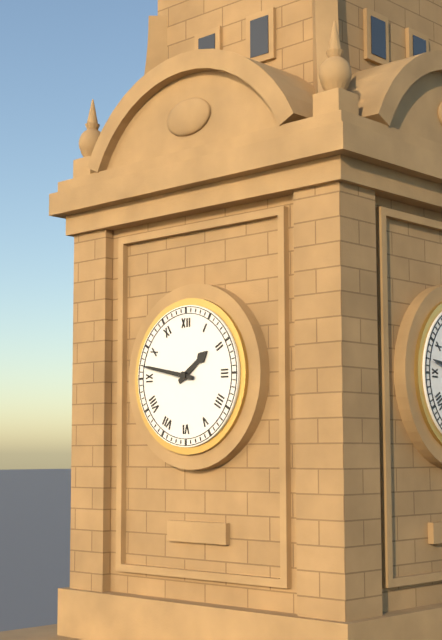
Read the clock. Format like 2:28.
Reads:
1:47
